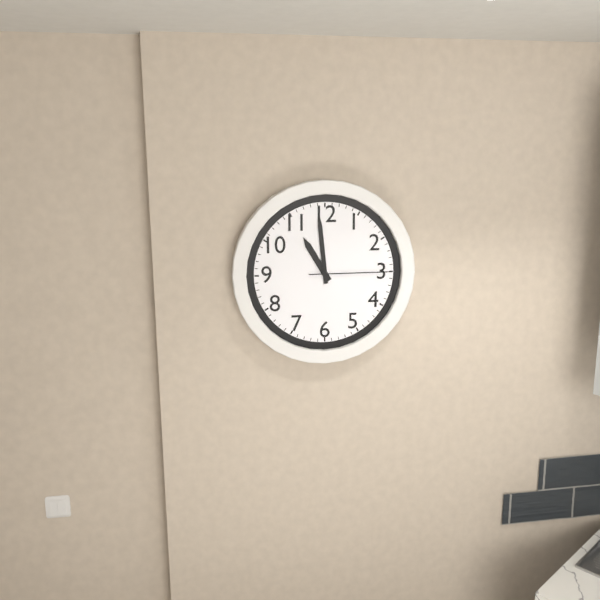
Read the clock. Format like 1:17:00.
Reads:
10:59:15
